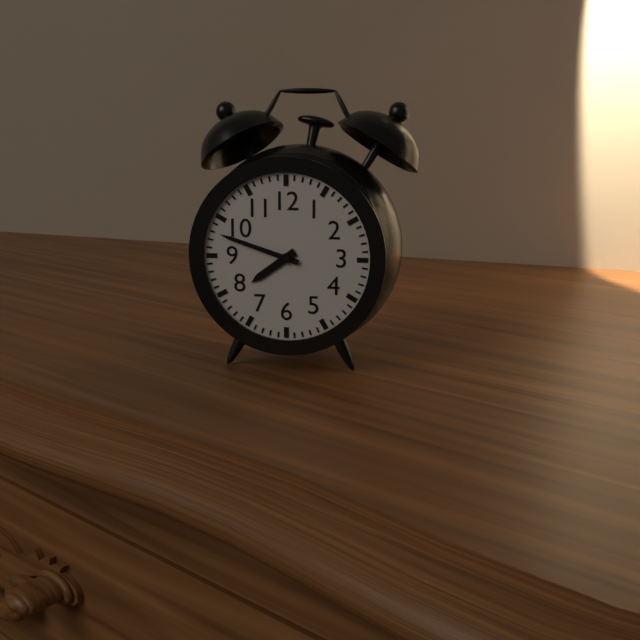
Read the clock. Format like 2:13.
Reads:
7:48
